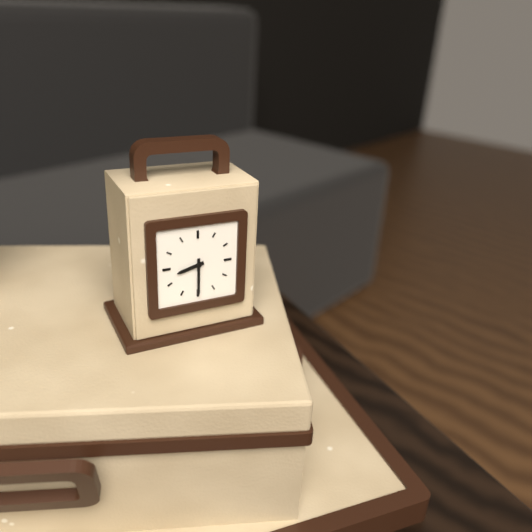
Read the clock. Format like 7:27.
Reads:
8:30
